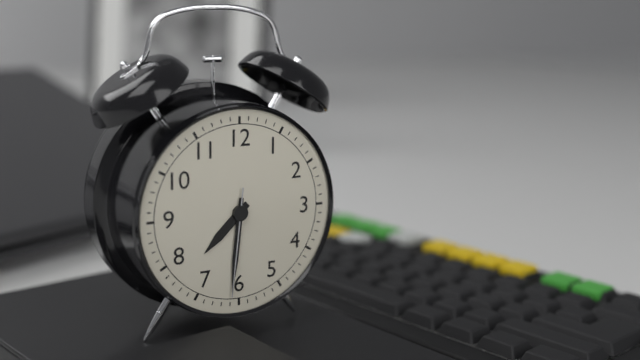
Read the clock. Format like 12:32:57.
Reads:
7:31:31
